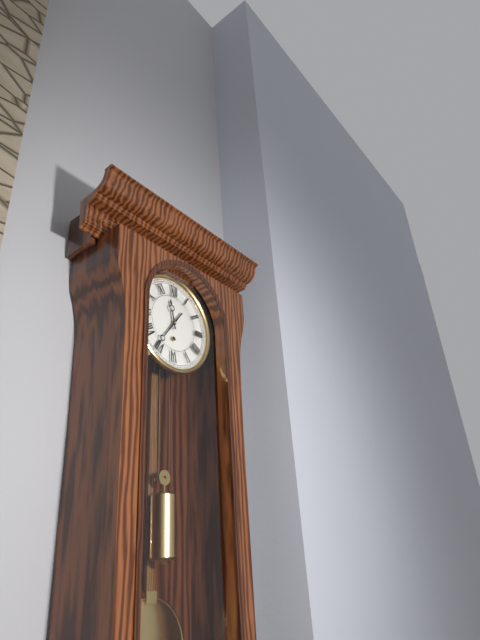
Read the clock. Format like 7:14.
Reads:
11:36
